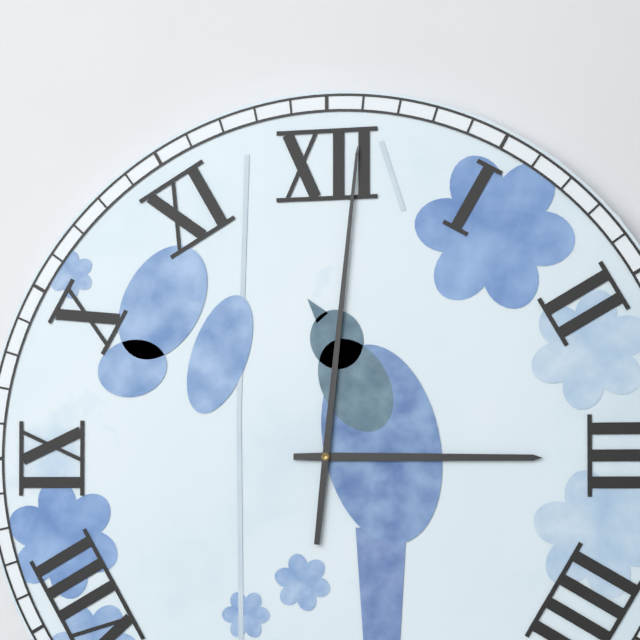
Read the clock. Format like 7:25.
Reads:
3:01
